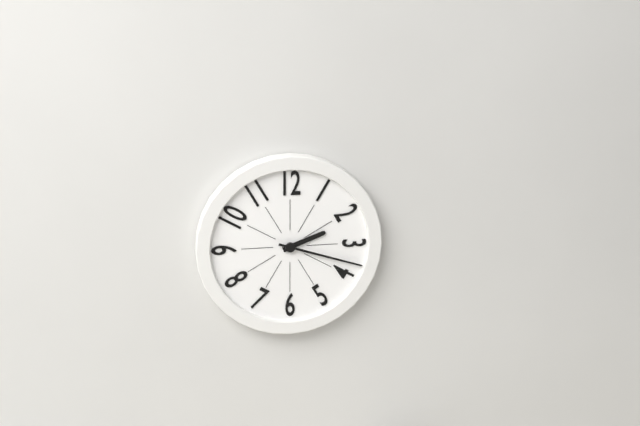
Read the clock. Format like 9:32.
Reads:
2:18
